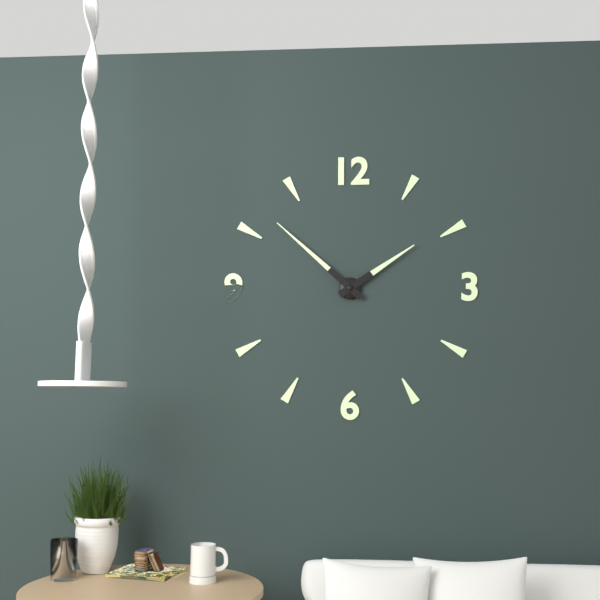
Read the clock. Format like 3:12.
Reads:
1:52
